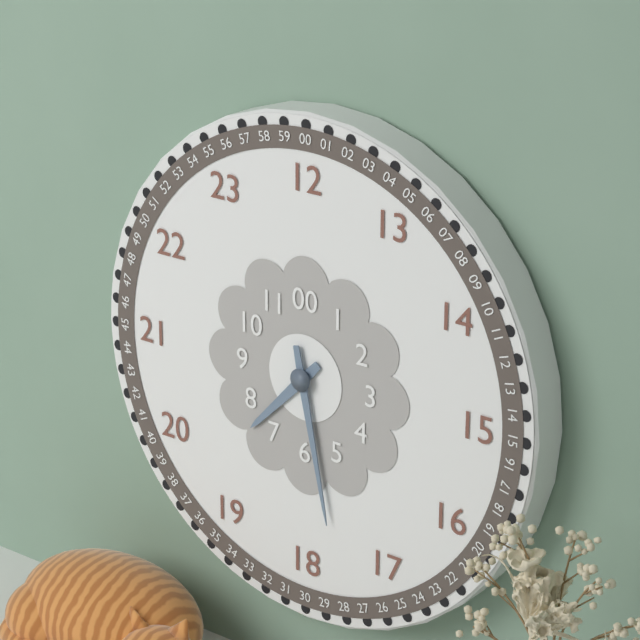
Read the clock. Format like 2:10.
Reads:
7:28
